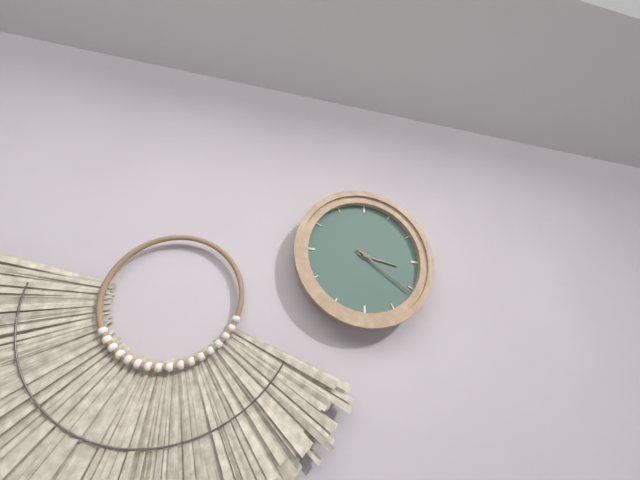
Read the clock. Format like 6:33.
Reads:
3:21
